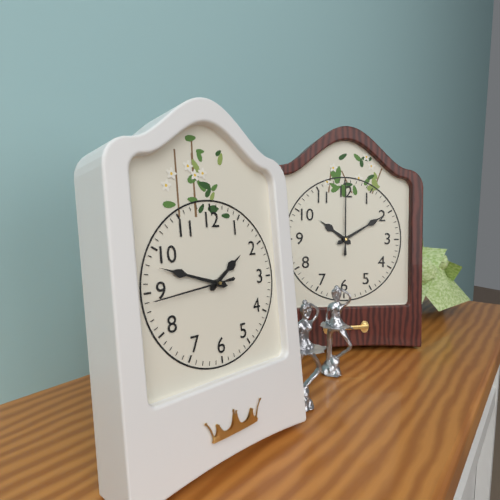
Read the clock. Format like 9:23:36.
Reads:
1:48:44
